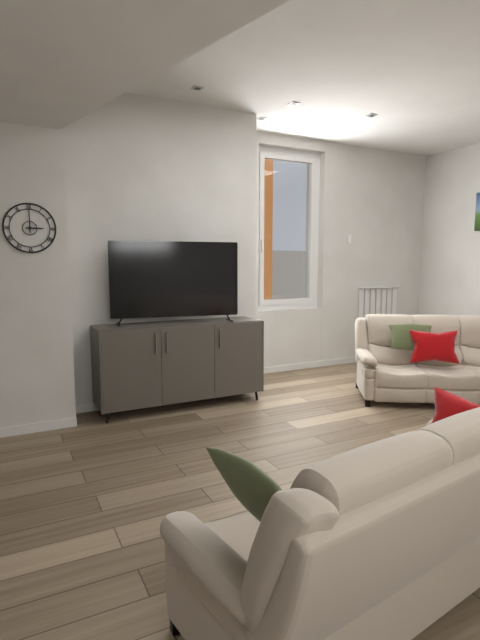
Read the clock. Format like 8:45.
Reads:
3:00
